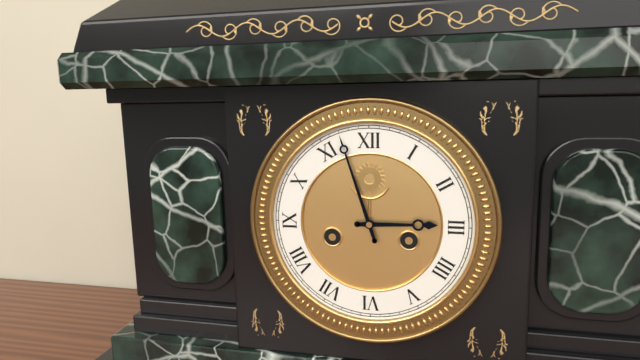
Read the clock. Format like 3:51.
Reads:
2:57
